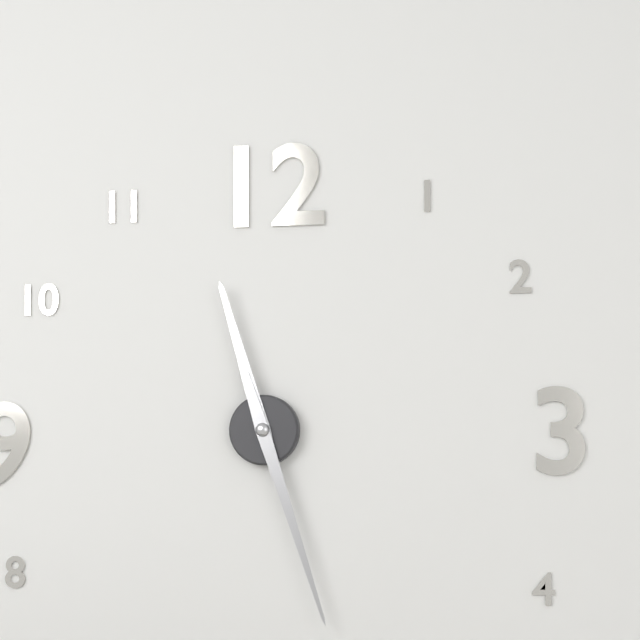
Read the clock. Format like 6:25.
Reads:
11:27
